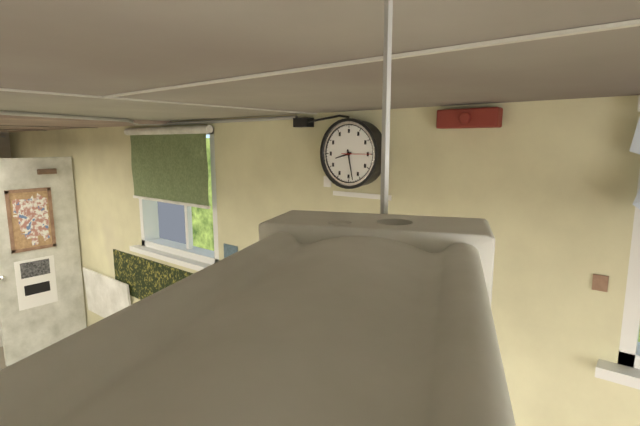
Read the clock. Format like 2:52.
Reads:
8:28
